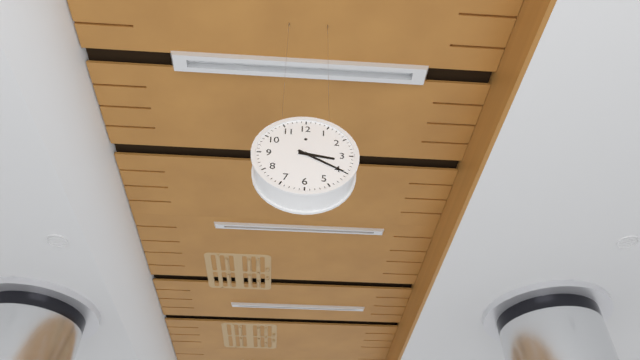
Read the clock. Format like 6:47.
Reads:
3:20
